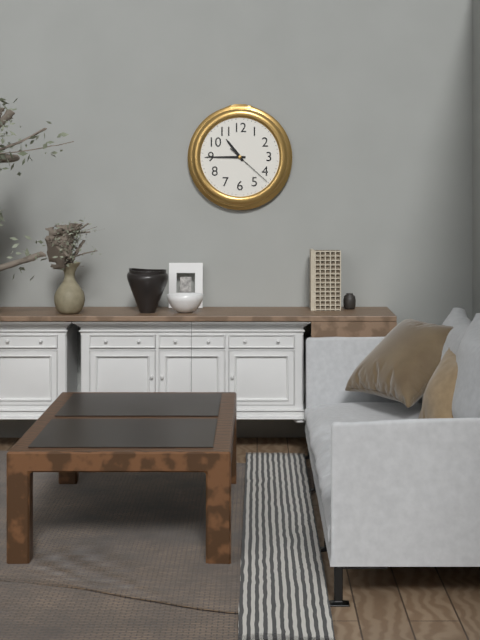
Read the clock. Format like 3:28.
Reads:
10:45
